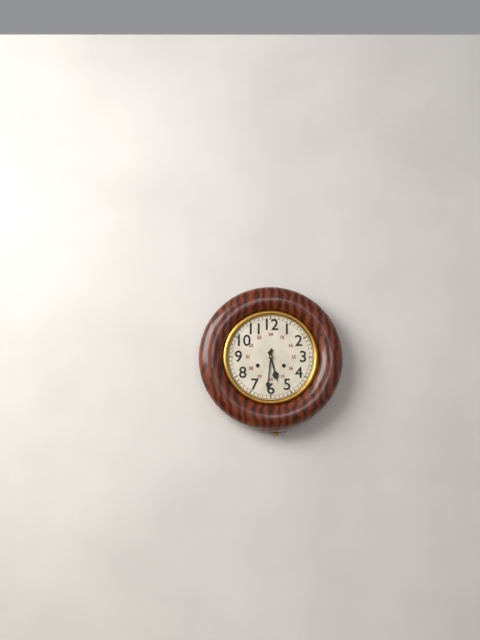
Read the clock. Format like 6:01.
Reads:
5:31
